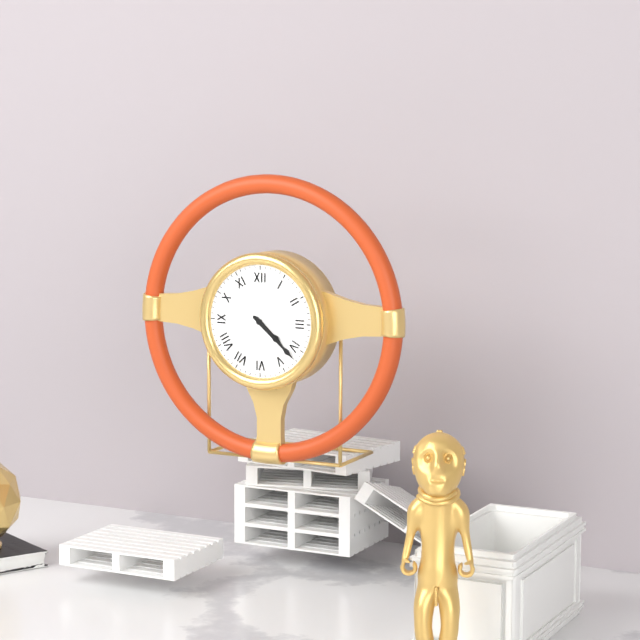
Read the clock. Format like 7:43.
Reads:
4:22
